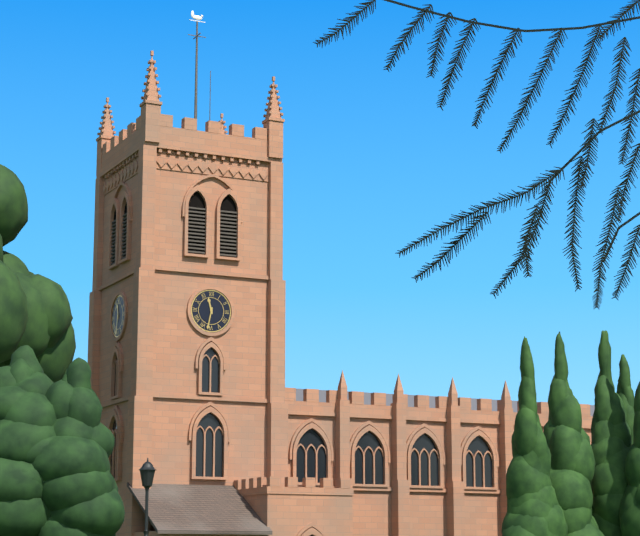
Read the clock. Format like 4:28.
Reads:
11:32
